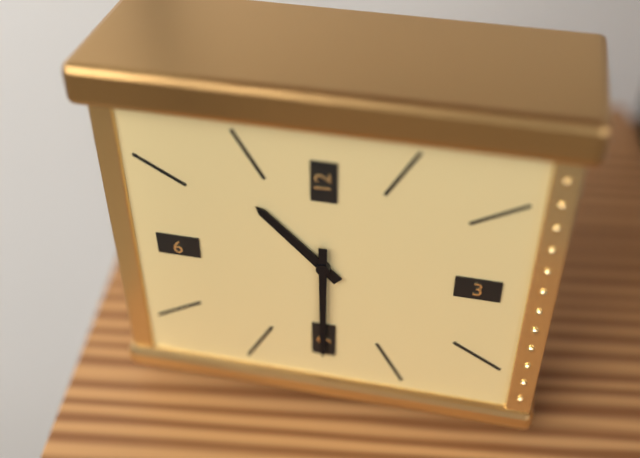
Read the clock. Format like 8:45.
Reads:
10:30
